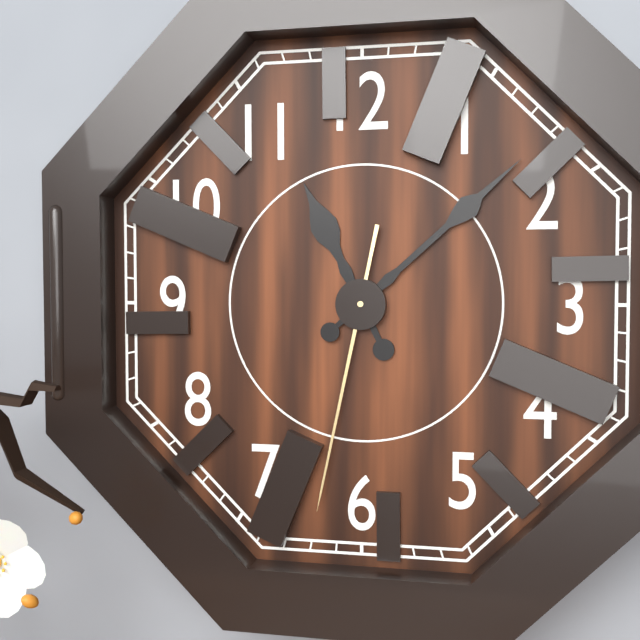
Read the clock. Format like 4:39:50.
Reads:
11:08:32
